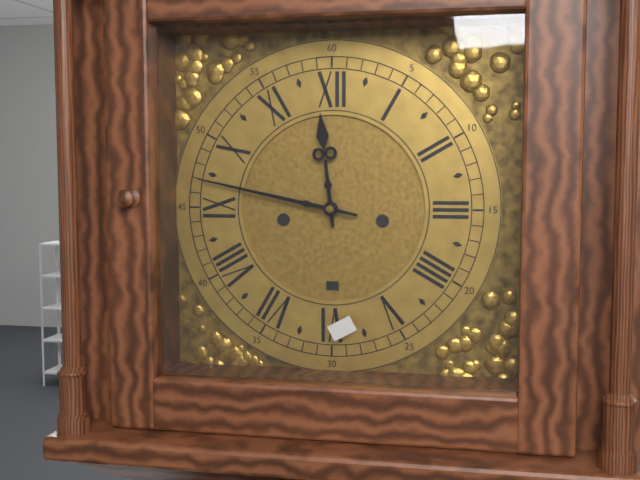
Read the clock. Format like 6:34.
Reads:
11:47
